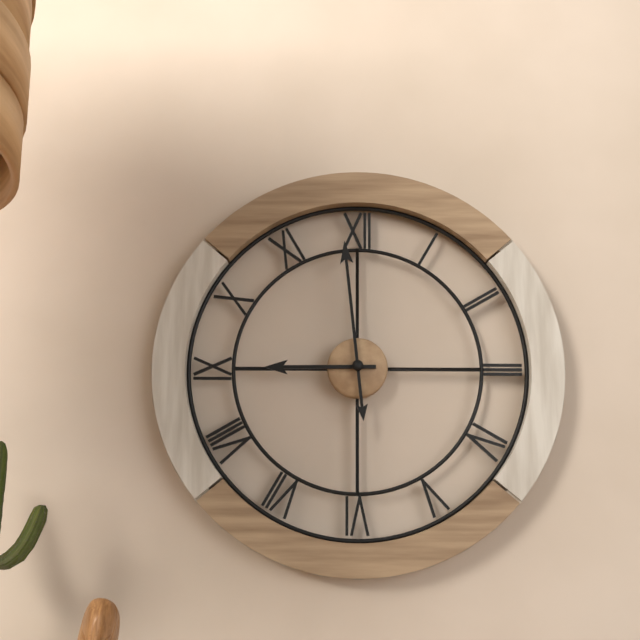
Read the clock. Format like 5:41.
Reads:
8:59
